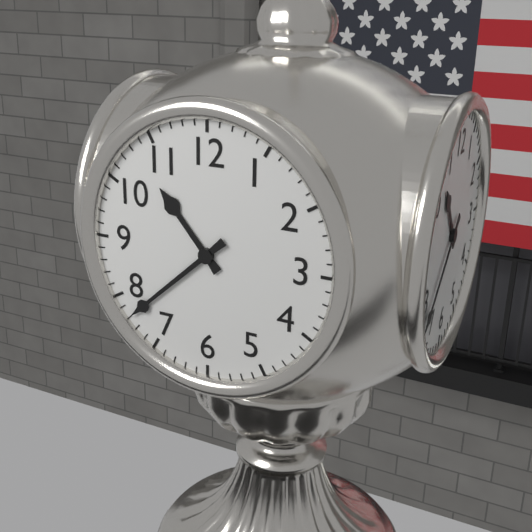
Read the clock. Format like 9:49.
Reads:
10:38
